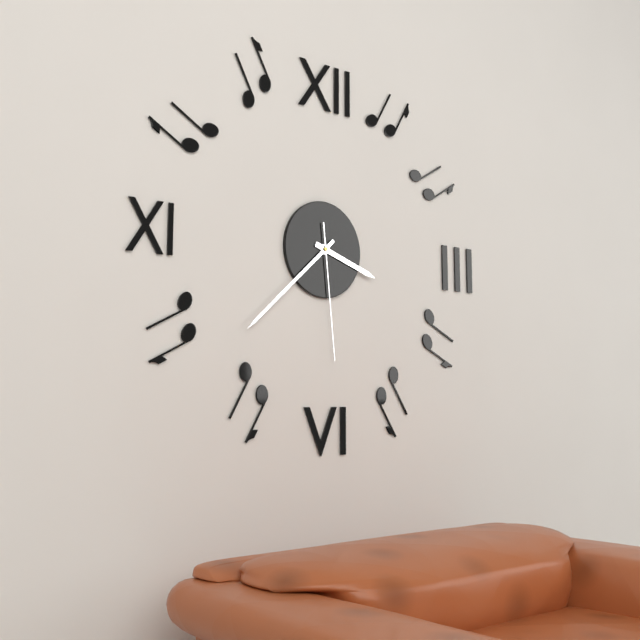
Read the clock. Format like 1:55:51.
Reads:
3:38:29
